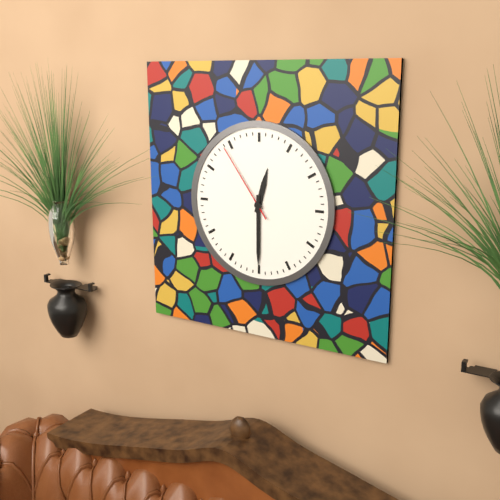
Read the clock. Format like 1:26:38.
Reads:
12:30:54
